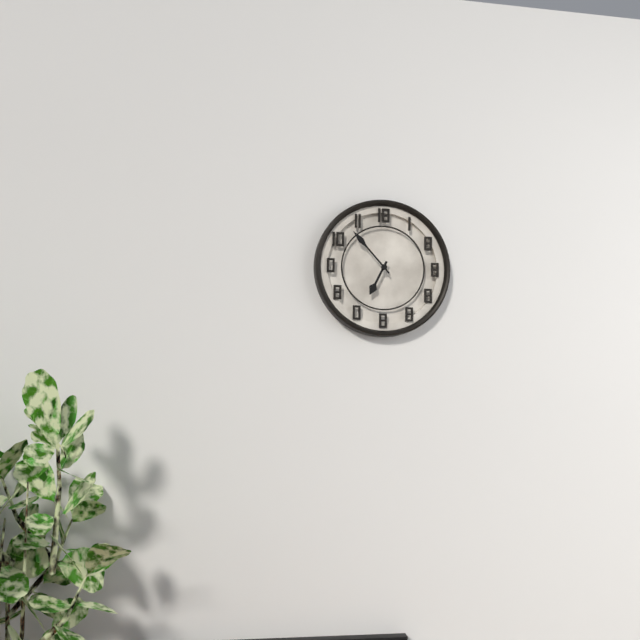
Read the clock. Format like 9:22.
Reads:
6:53
